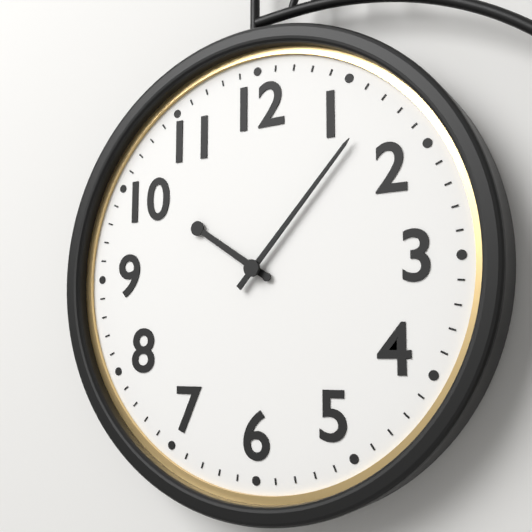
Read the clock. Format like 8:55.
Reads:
10:07
